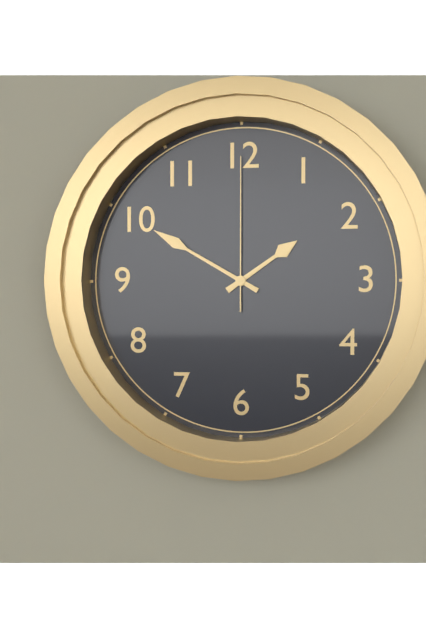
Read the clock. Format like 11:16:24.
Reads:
1:50:00
